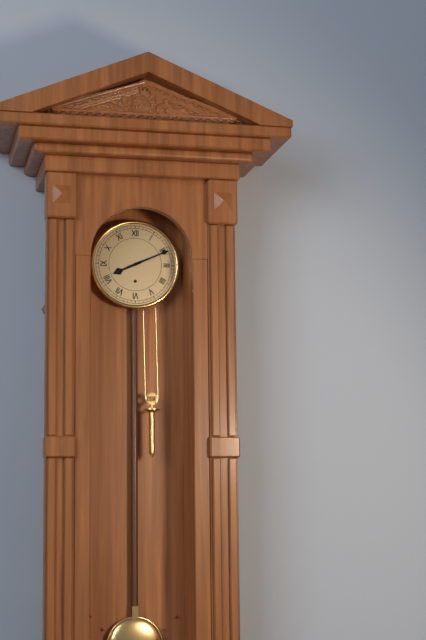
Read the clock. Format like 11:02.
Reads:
8:11
